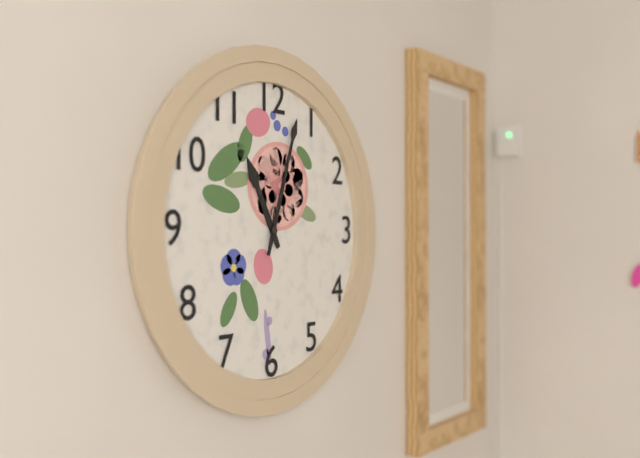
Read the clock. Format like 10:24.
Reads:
11:03
